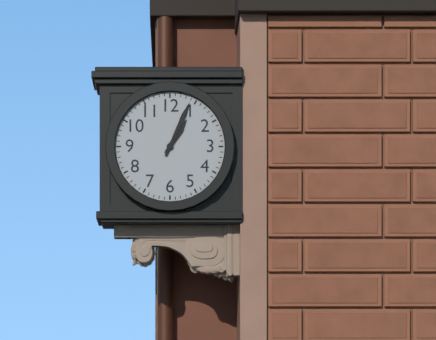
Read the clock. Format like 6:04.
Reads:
1:04
